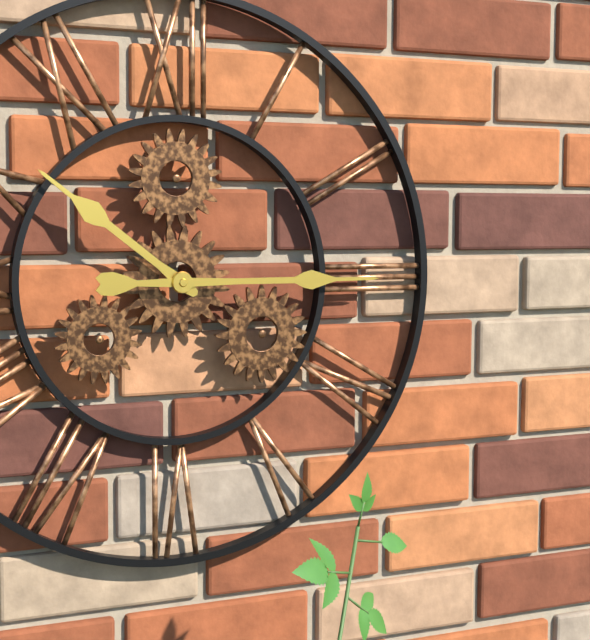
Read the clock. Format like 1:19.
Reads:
10:15
